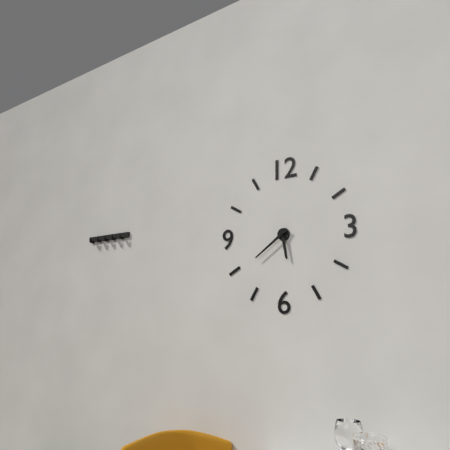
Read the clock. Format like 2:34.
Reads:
5:39
